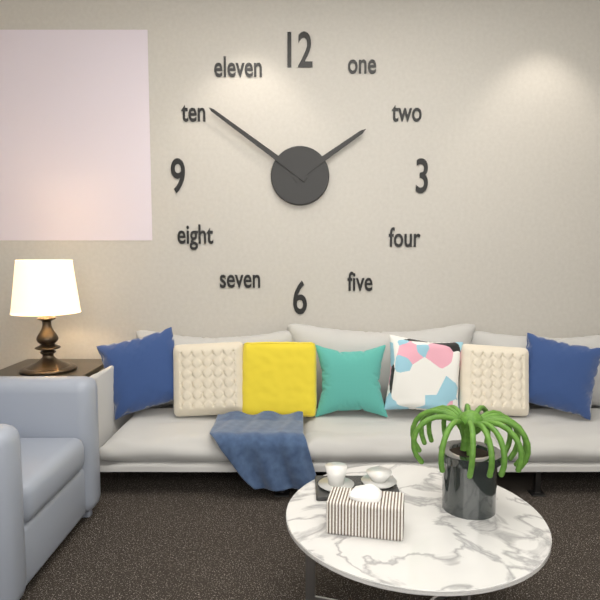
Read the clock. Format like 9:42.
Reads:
1:51
